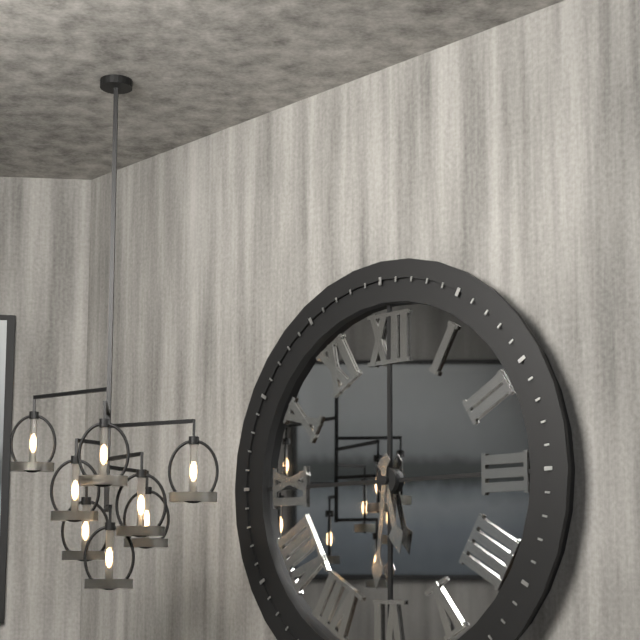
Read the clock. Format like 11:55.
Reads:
5:31
